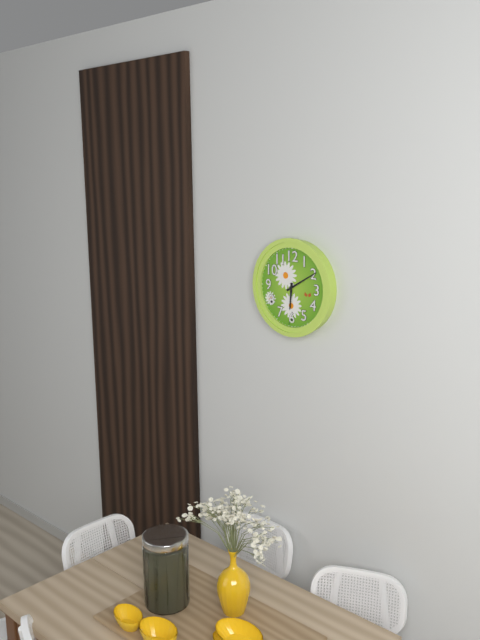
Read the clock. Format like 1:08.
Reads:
6:10
